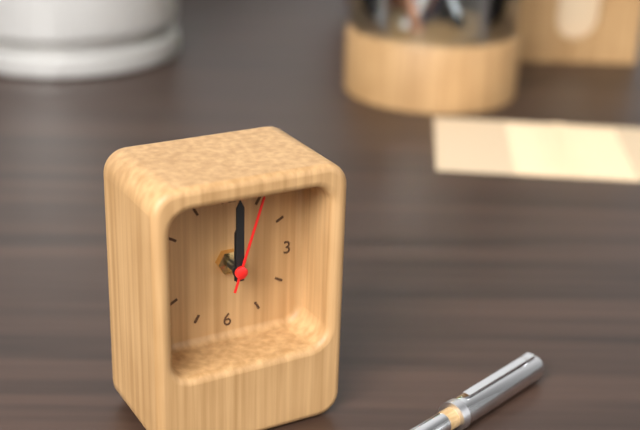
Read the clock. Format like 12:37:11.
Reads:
12:00:03
